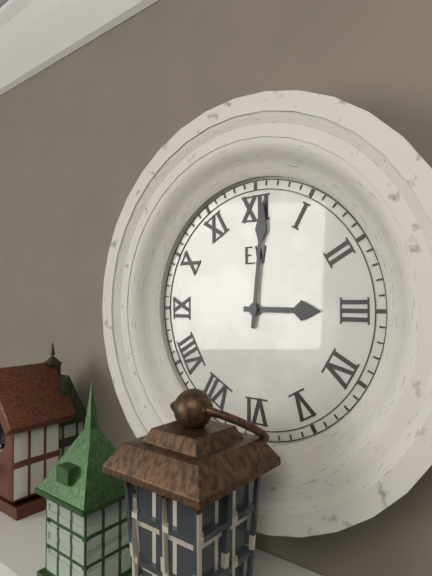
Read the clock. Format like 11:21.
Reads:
3:01
